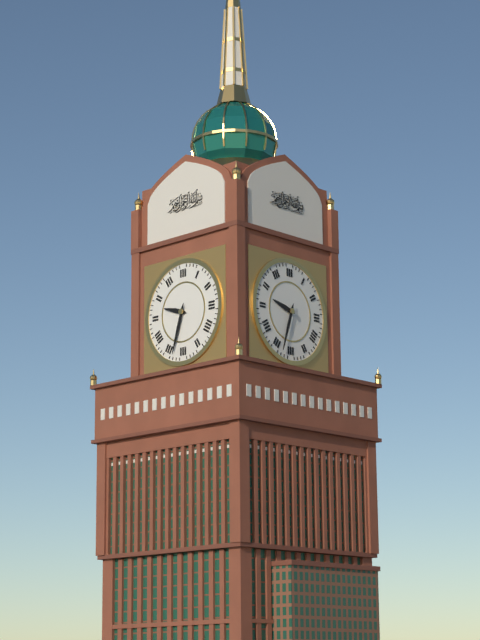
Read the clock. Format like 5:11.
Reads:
9:33
